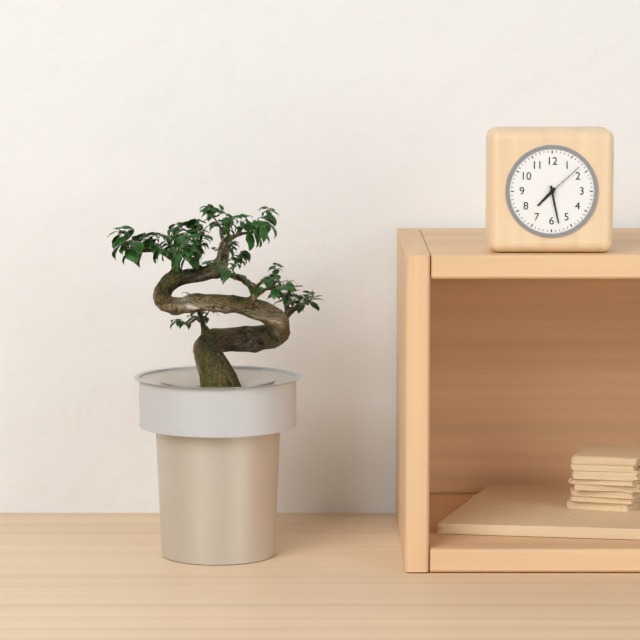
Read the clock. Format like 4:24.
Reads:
7:28
